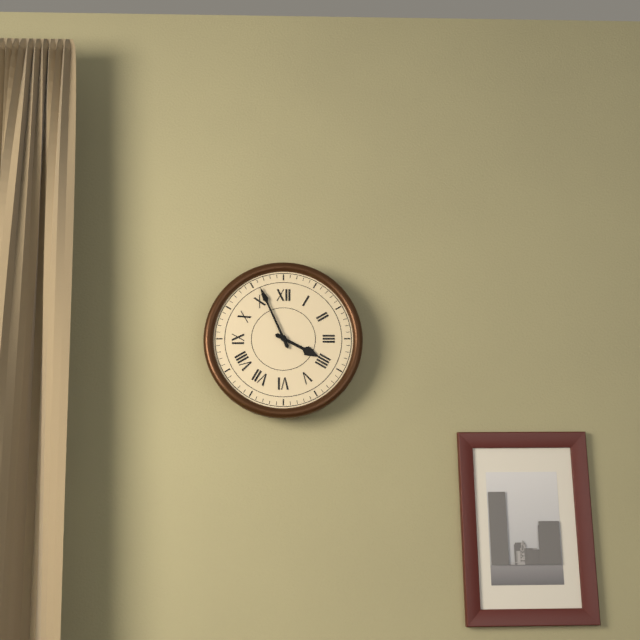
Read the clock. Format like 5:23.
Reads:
3:56
